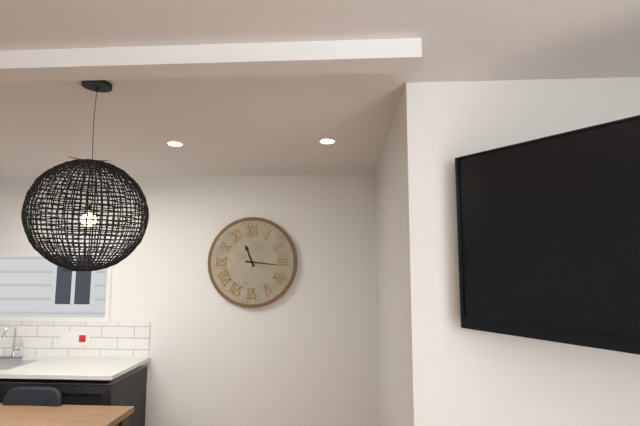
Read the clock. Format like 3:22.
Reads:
11:16
